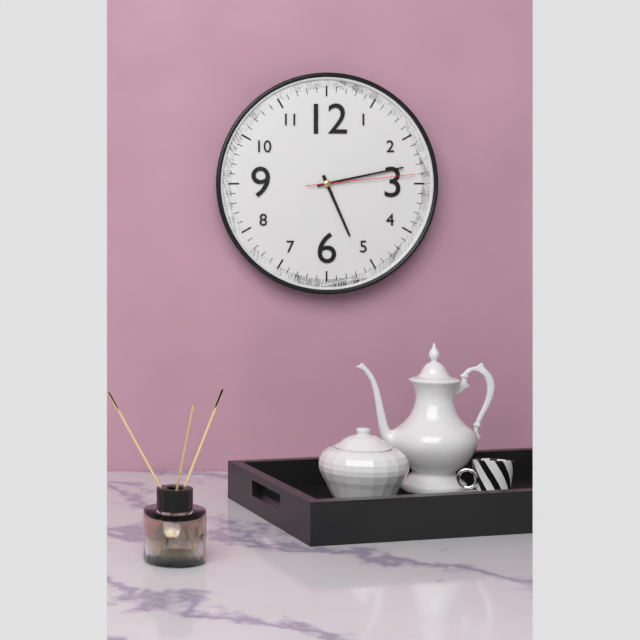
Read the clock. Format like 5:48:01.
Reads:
5:13:14
